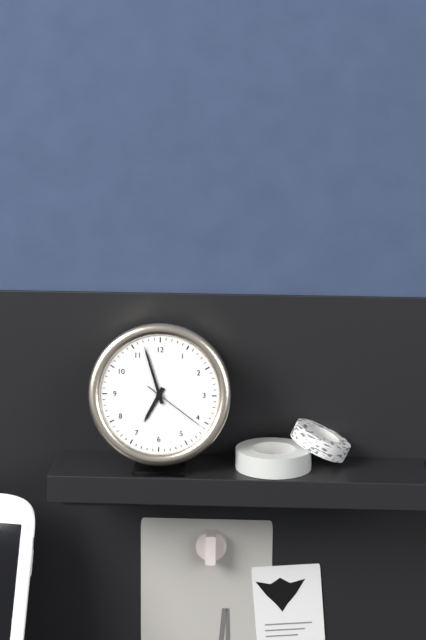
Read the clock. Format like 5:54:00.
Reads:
6:57:21
